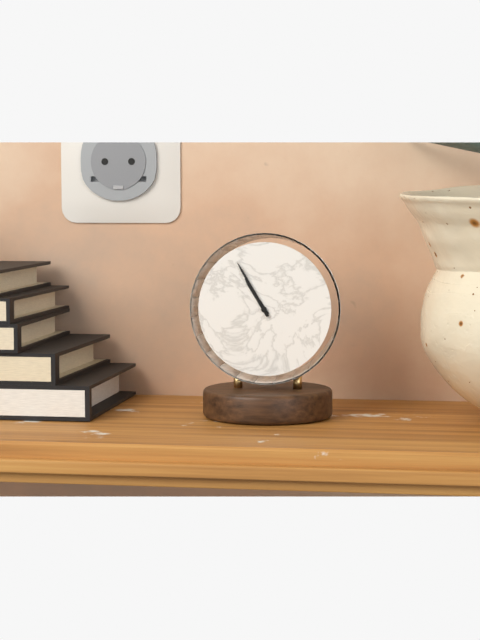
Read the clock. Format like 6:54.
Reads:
10:55
